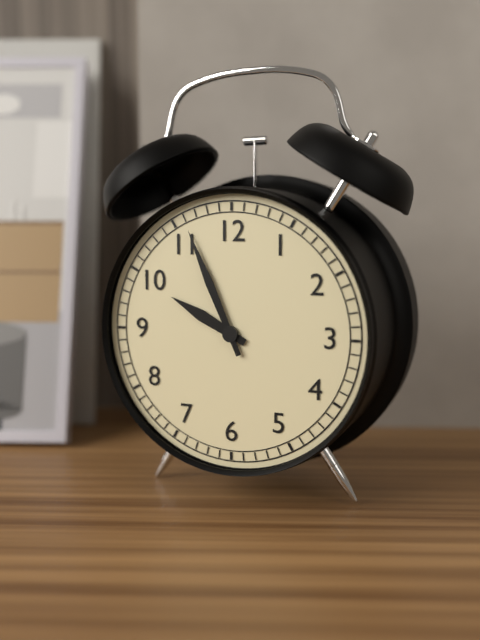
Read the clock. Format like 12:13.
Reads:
9:56
